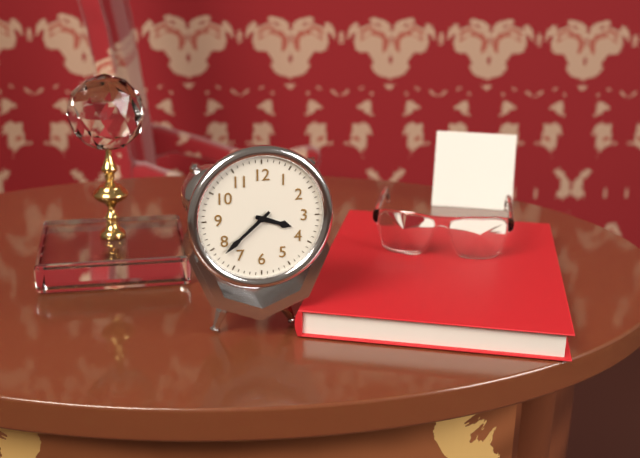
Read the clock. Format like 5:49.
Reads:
3:38
